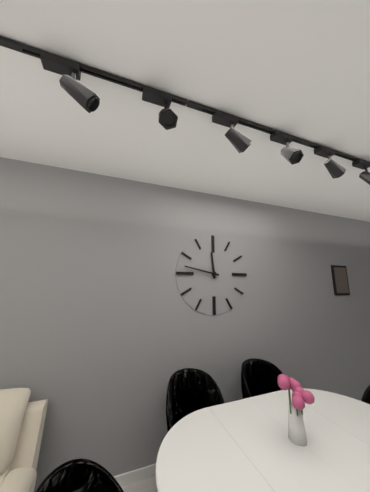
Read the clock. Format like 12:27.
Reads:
11:47
